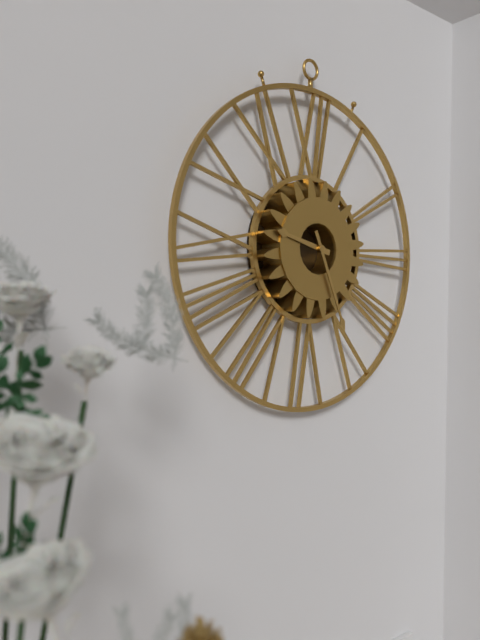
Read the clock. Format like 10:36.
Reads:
9:26
